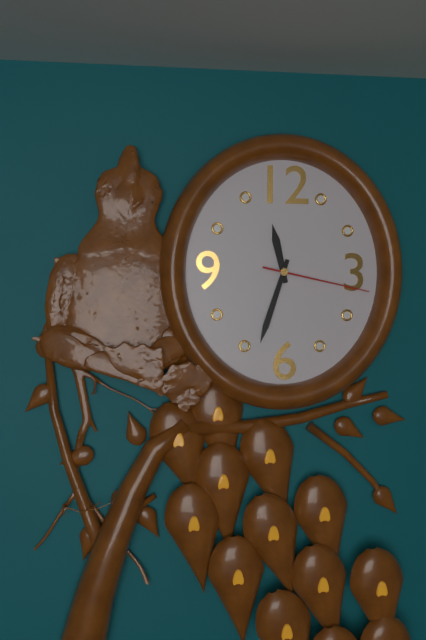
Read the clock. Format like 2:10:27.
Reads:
11:33:17
